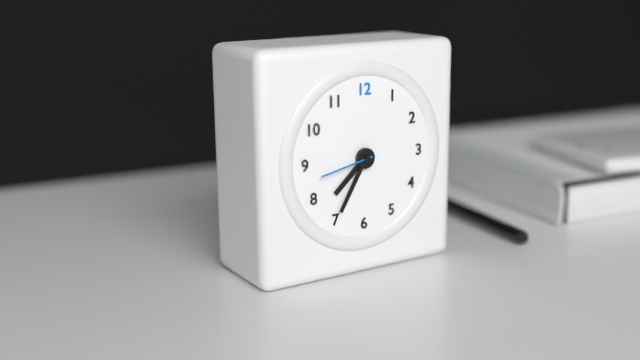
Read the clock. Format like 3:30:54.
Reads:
7:35:43
